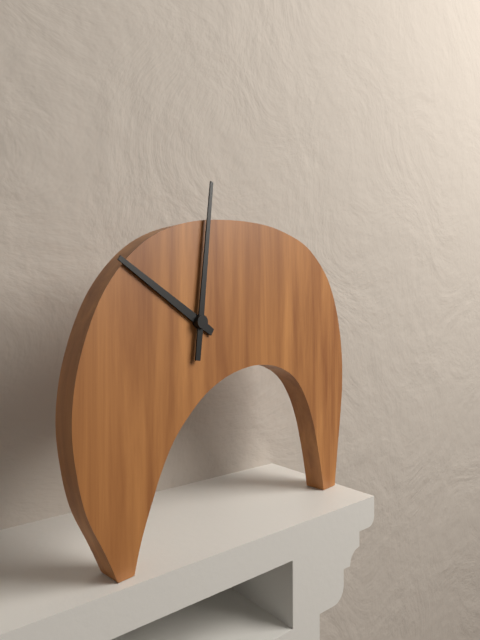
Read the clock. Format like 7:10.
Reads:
10:01
